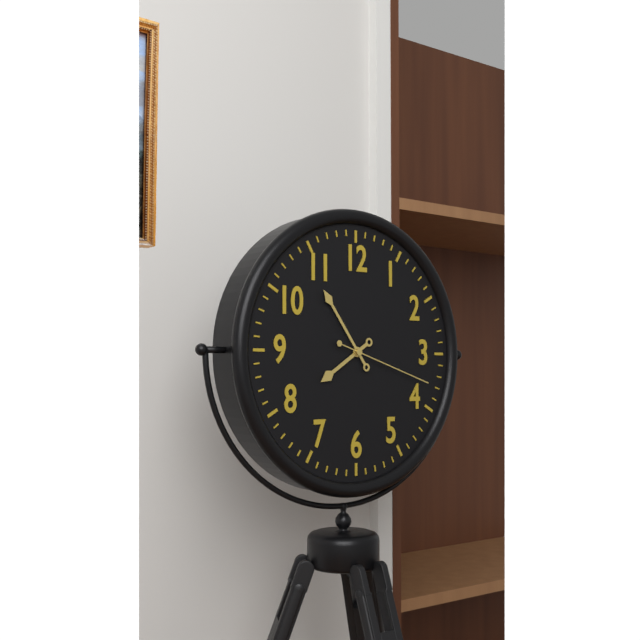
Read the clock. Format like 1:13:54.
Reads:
7:54:18
